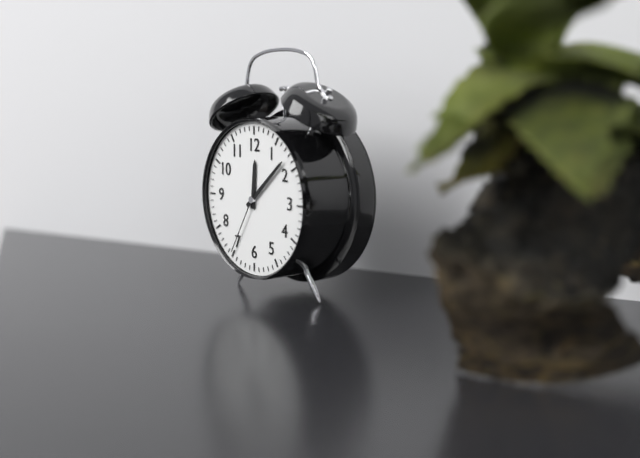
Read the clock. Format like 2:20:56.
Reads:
12:08:35
